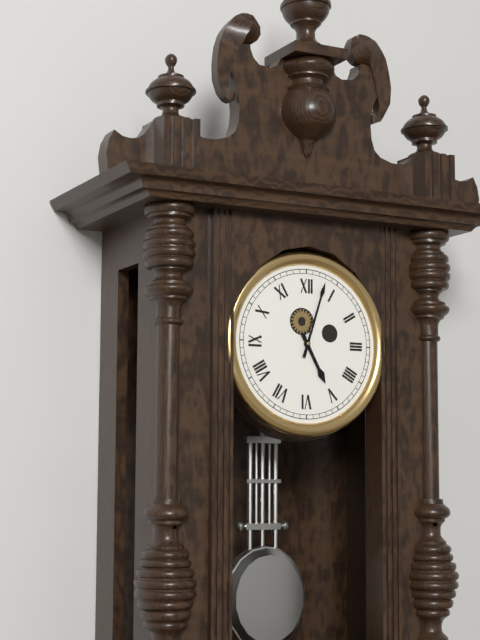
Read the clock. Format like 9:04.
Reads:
5:03
